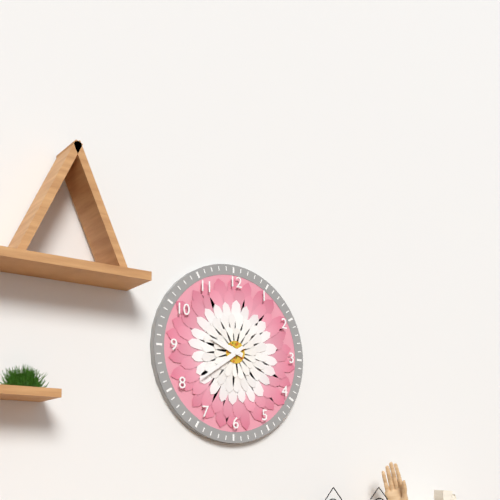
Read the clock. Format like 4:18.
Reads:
9:39
